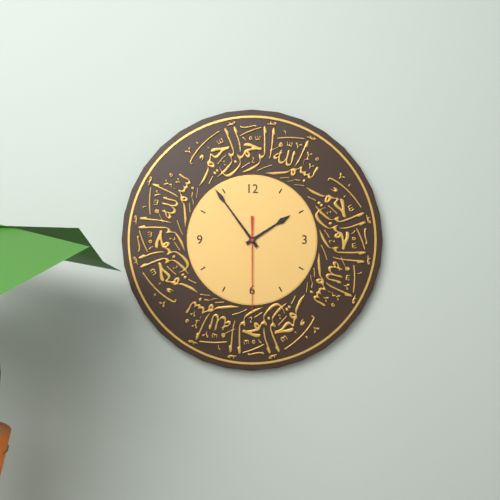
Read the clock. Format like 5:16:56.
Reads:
1:54:30
